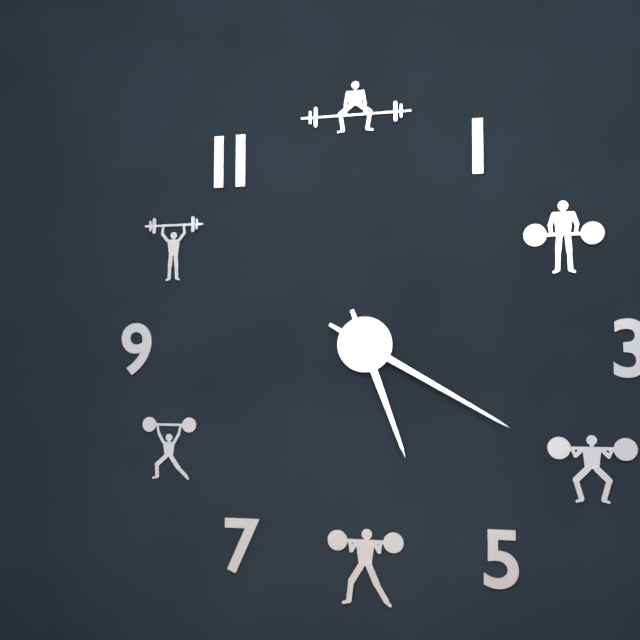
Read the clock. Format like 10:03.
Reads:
5:20
